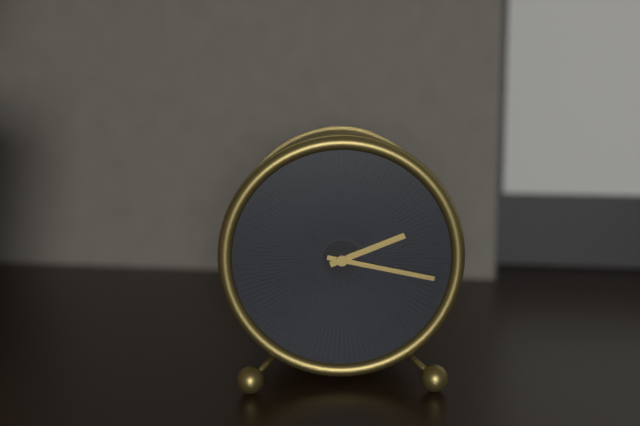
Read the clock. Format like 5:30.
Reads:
2:17
